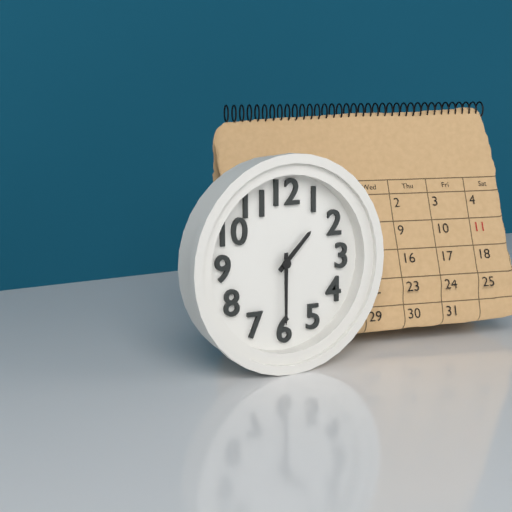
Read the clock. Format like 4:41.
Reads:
1:30
